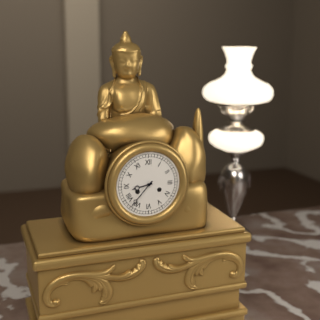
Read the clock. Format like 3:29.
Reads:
8:37
